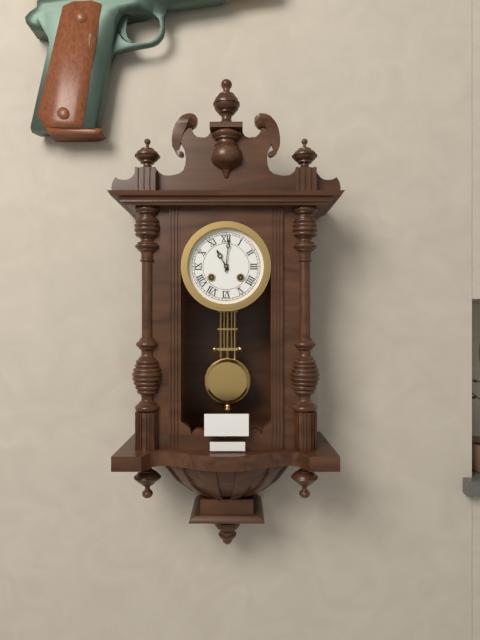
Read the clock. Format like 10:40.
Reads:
11:01
